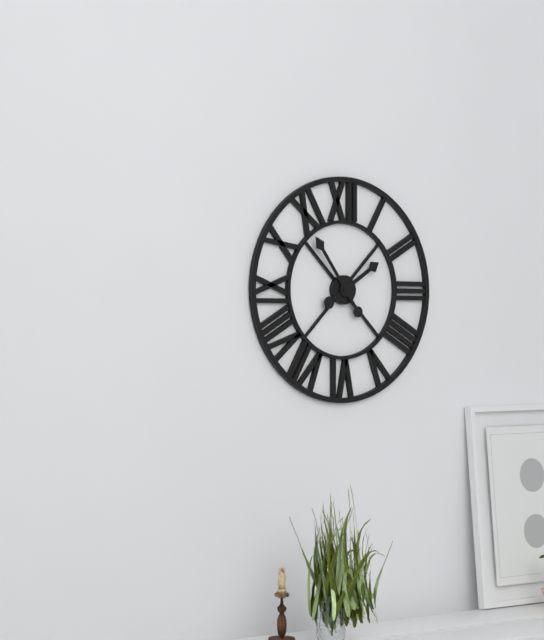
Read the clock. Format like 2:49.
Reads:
1:54
